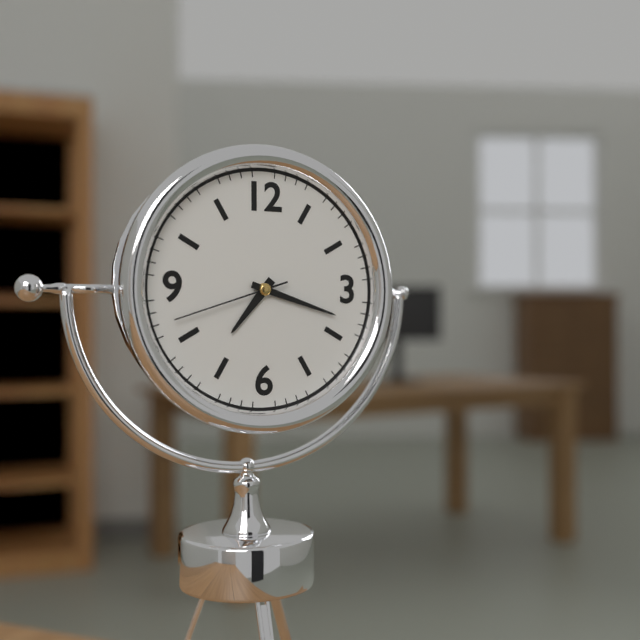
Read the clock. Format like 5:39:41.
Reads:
7:18:42
